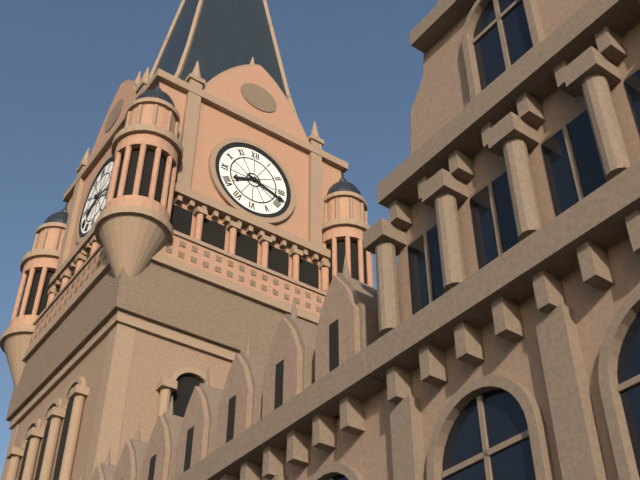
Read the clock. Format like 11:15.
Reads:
8:18
